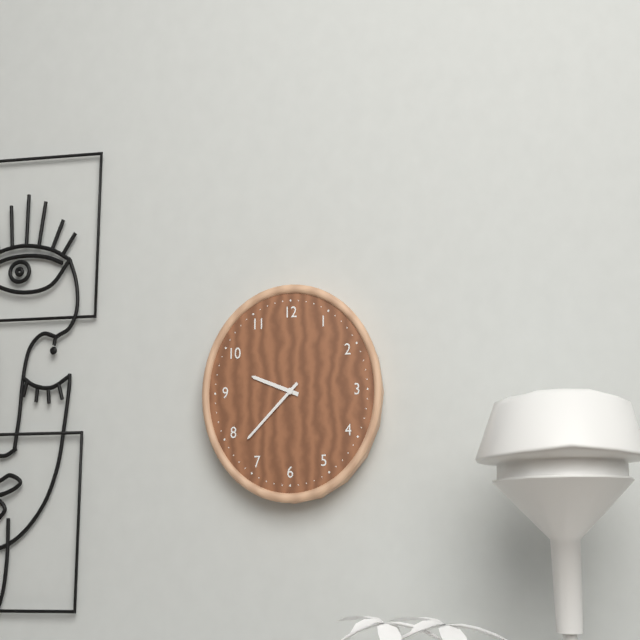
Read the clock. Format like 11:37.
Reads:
9:38
